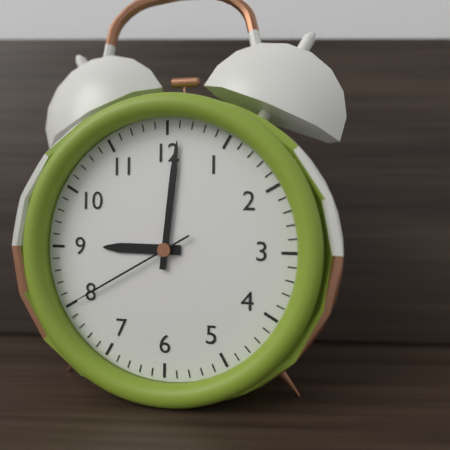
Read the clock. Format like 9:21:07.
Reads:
9:01:40
